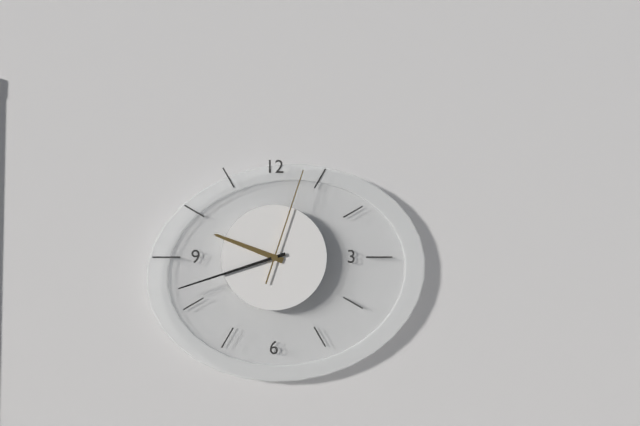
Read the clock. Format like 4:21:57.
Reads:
9:42:03
